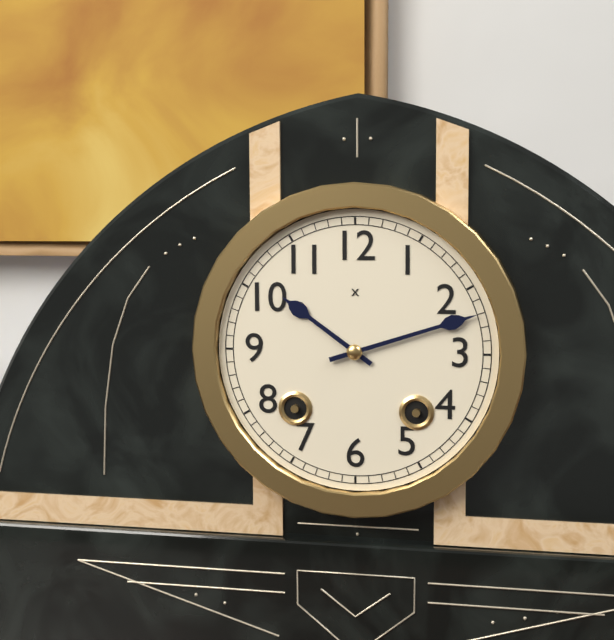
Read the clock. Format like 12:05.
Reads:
10:12
